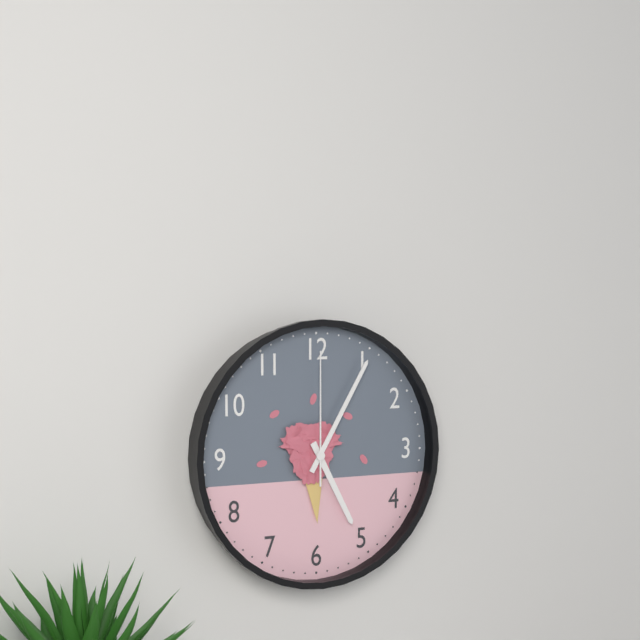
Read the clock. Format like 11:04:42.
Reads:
5:05:00
